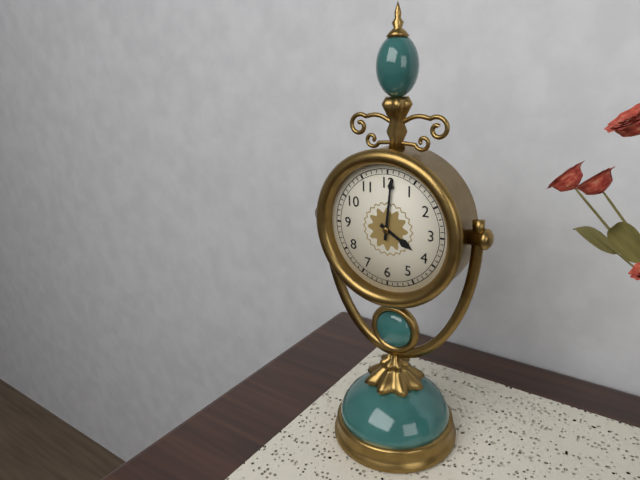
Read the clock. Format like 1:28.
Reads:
4:01
